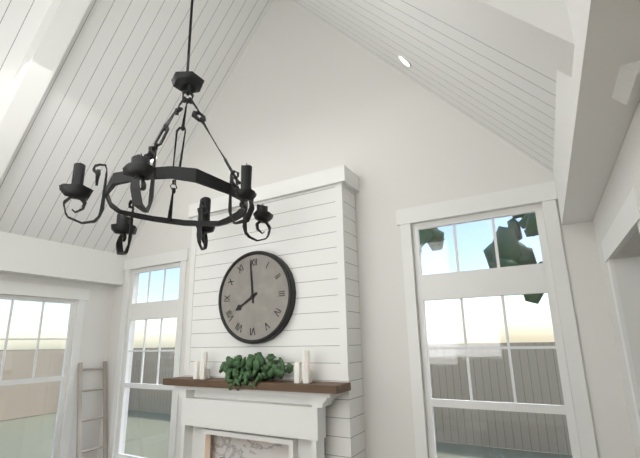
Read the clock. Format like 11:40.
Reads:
7:59
